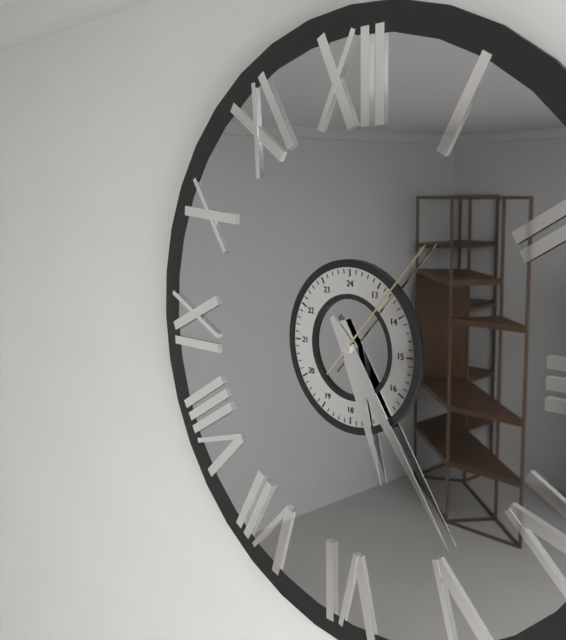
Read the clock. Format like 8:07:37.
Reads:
5:24:07
